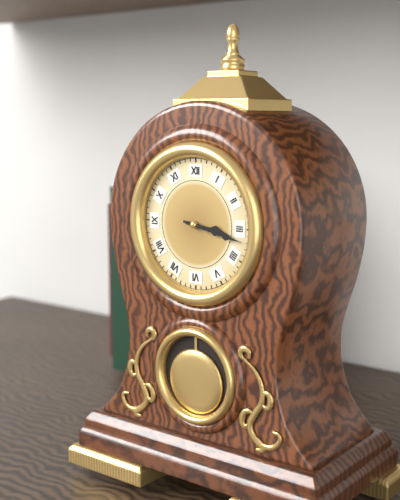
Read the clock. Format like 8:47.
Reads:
3:17
